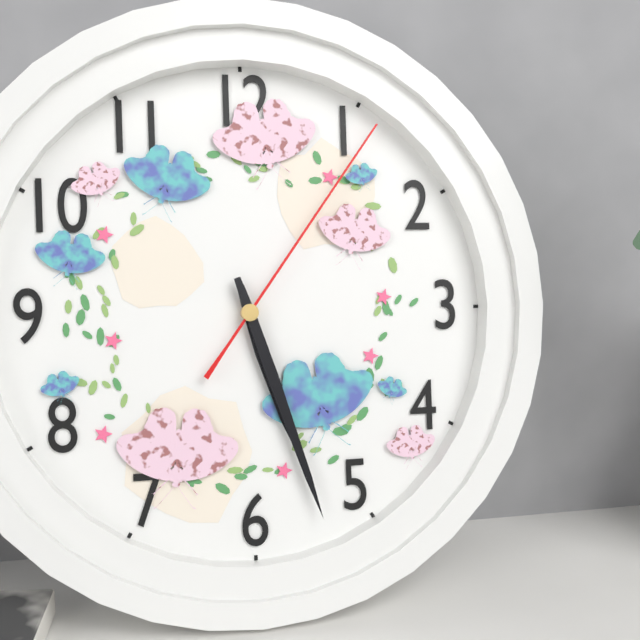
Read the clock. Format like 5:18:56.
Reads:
5:27:06
